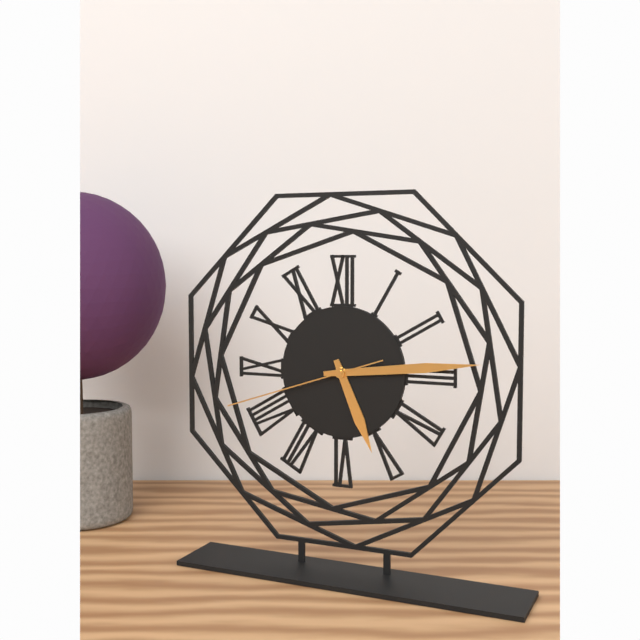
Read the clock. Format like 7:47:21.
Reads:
5:14:42
